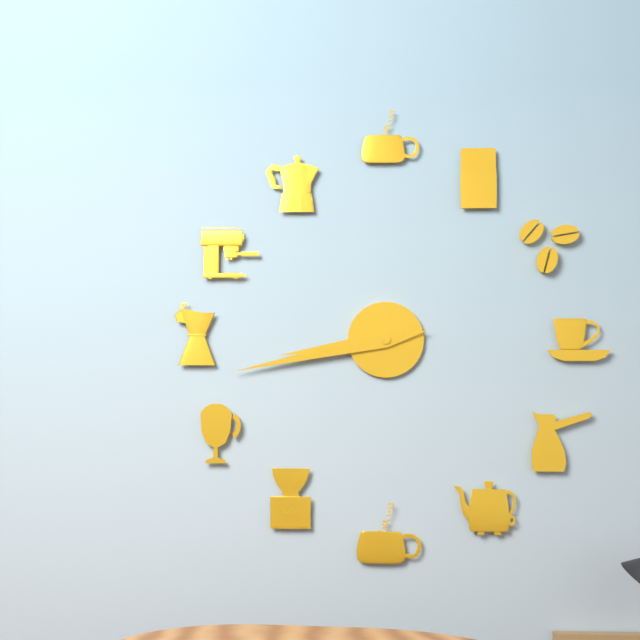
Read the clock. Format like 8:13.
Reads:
8:43
